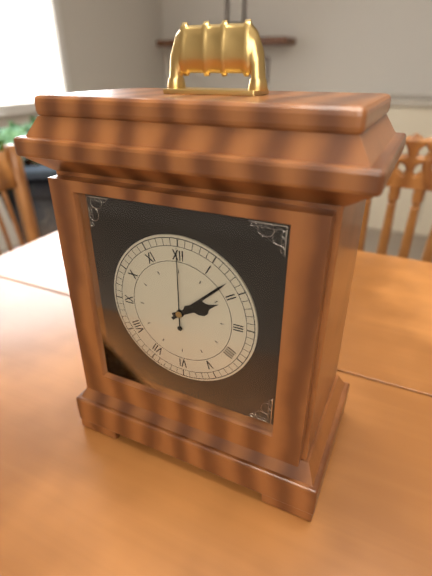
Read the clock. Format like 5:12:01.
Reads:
2:08:00
